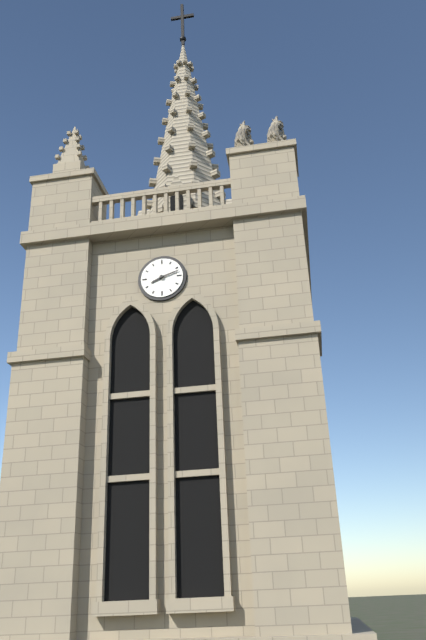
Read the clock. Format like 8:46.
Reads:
8:12
